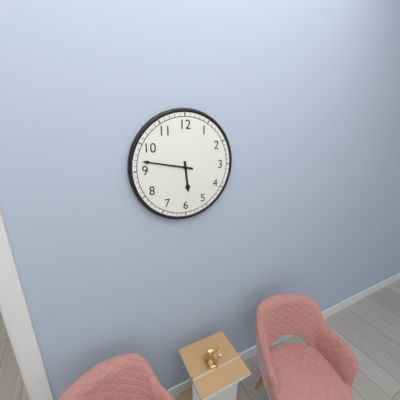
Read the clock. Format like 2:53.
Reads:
5:47
